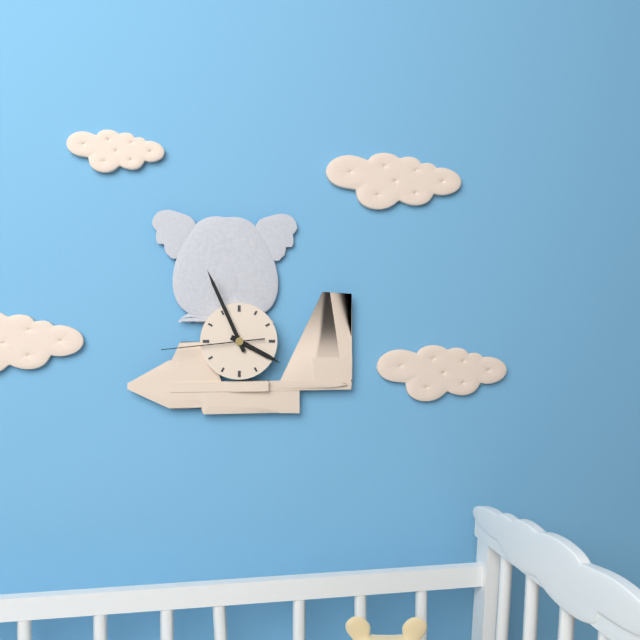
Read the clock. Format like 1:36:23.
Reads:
3:56:44
